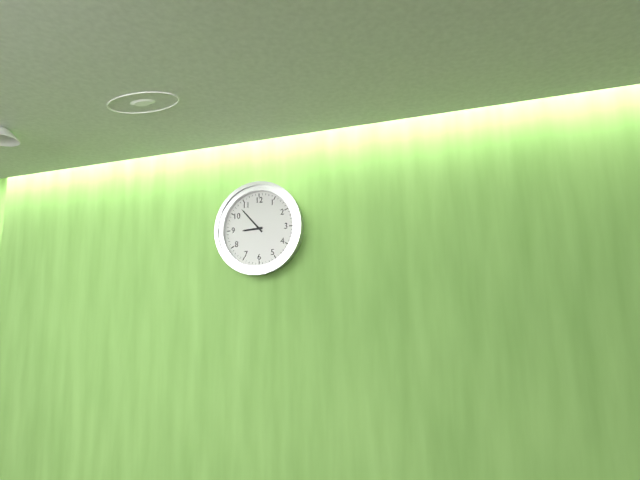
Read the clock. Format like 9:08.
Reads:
8:53
